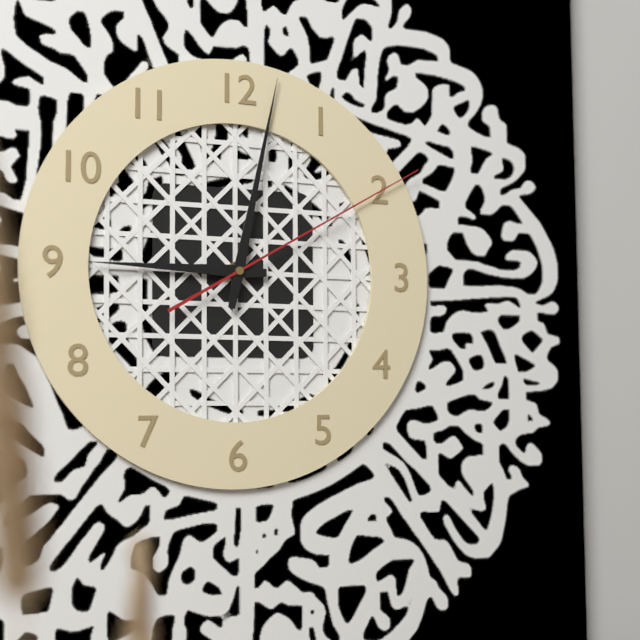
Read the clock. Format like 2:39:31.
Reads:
9:02:10
